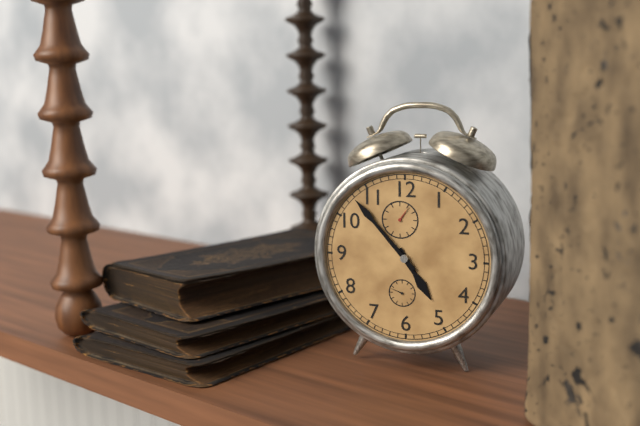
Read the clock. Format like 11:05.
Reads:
4:53
